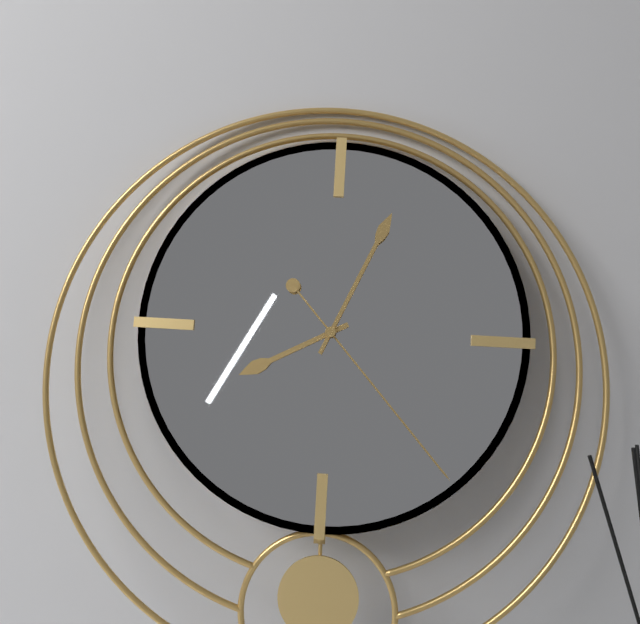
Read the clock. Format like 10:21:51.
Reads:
8:04:23
